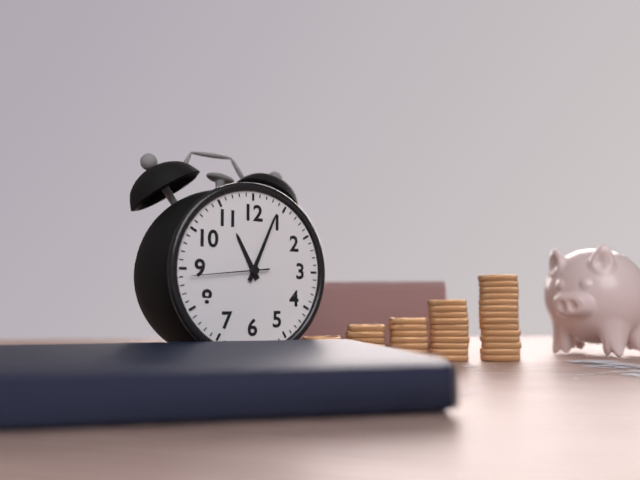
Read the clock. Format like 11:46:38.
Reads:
11:04:44
